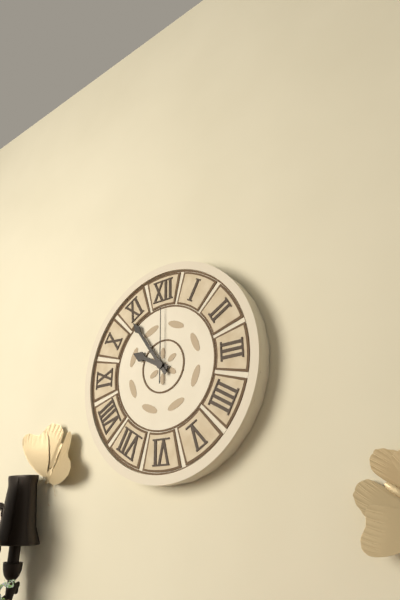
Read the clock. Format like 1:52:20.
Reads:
9:54:00
